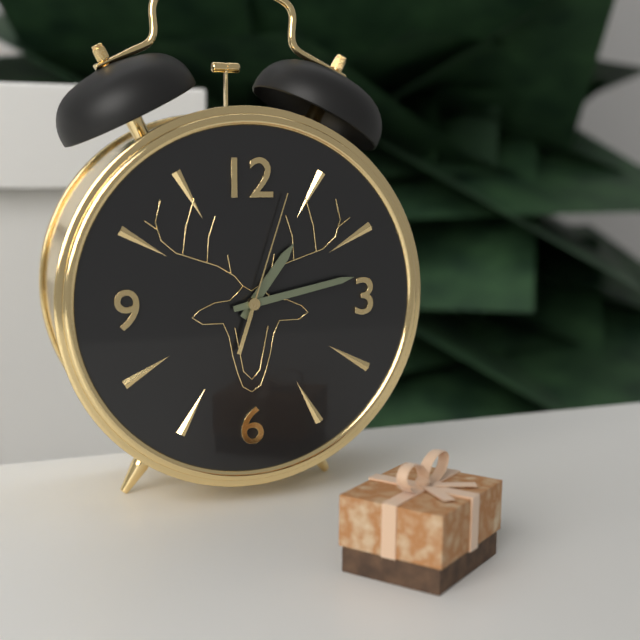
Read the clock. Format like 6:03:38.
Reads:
1:13:03
